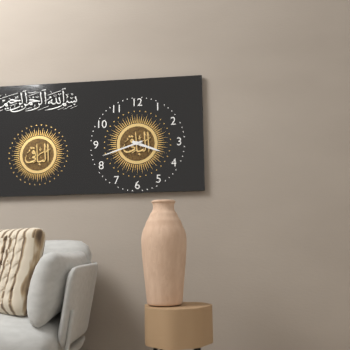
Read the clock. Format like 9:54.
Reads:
3:42
